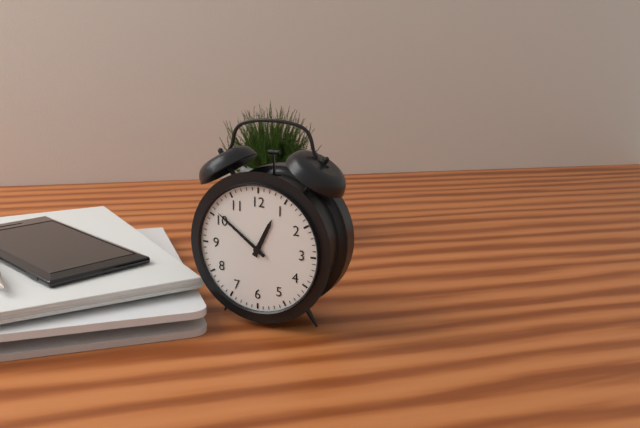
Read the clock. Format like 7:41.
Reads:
12:51
